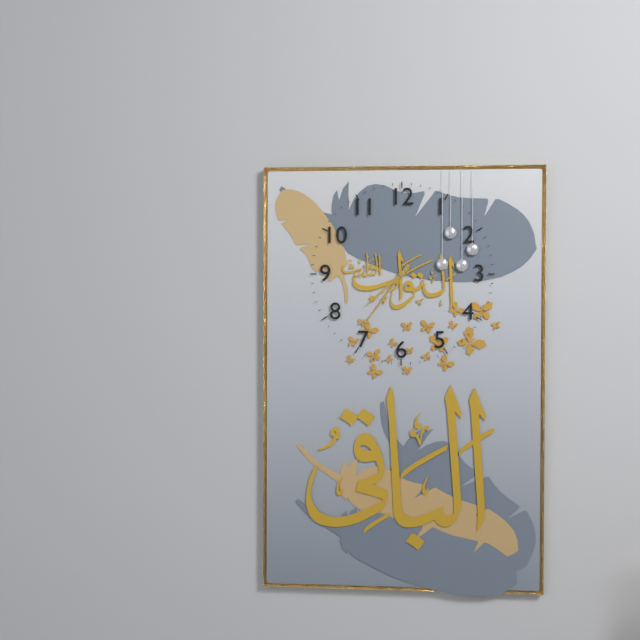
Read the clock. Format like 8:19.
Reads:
7:36
